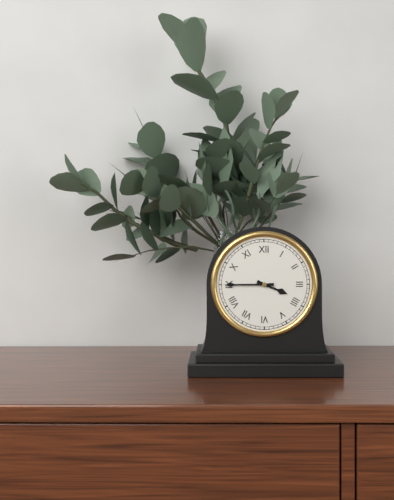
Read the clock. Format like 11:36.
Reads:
3:45
